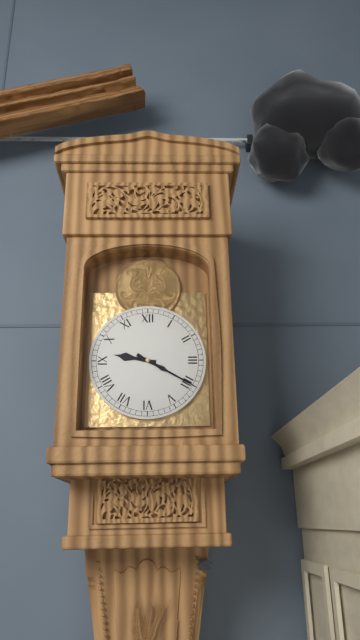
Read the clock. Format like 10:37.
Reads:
9:20
